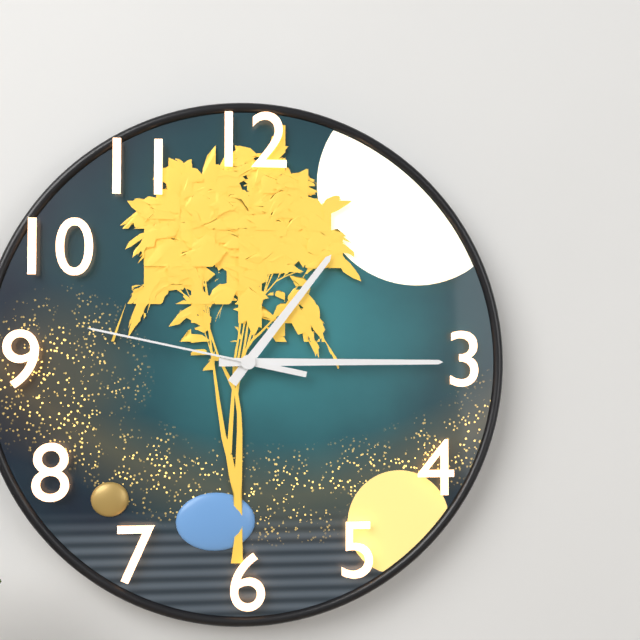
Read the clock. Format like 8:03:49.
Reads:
1:15:47
